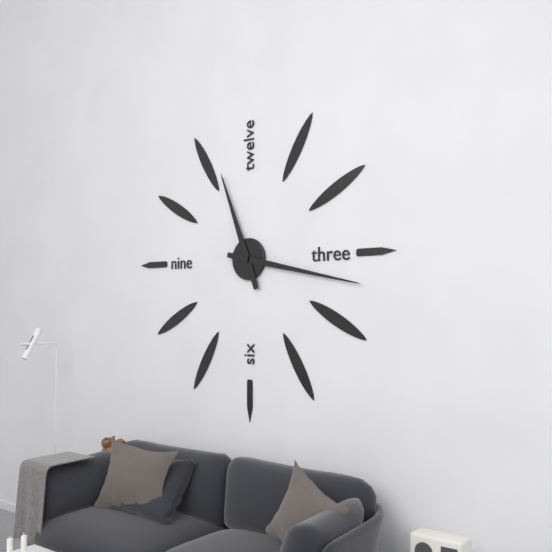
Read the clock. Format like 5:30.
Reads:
11:17
